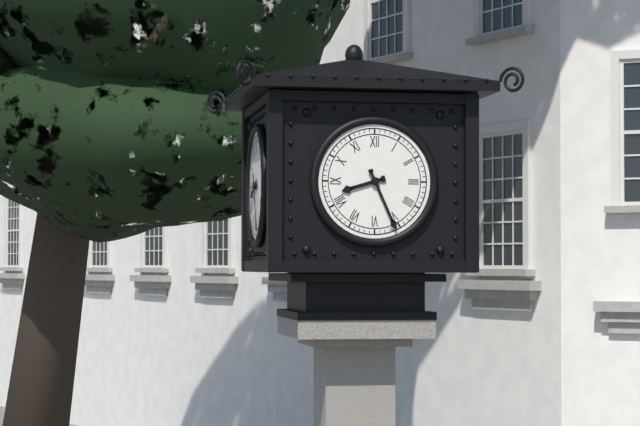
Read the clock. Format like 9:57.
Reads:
8:26
